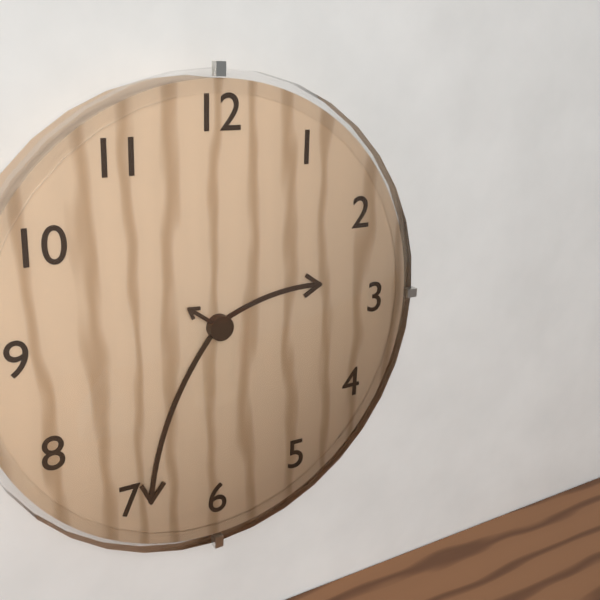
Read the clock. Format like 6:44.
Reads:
2:34
